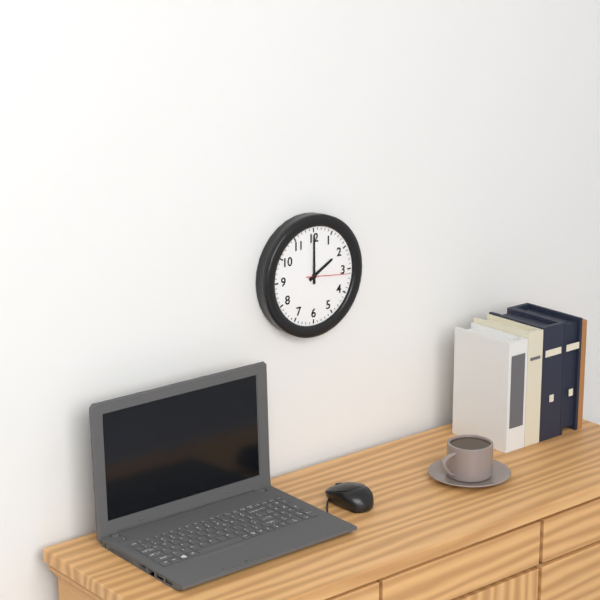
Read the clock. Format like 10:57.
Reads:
2:00
